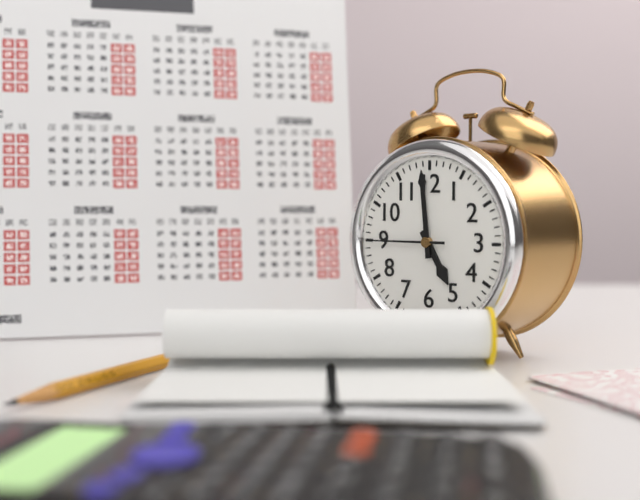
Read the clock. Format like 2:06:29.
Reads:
4:59:45
